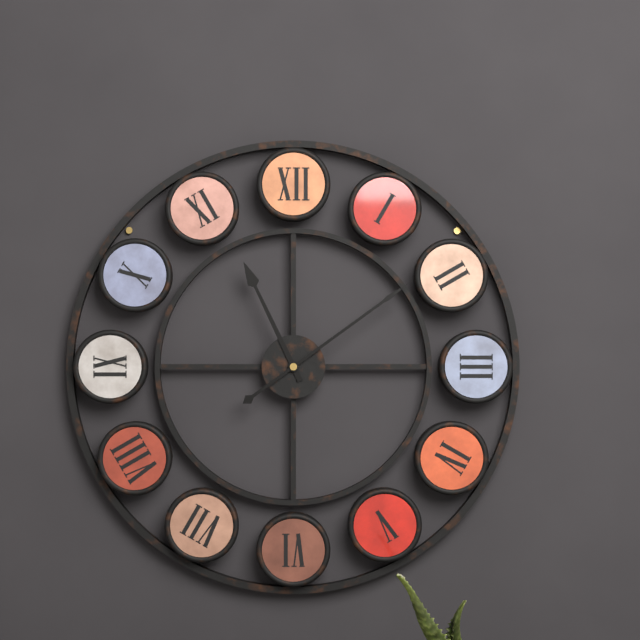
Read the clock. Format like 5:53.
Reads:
11:09
